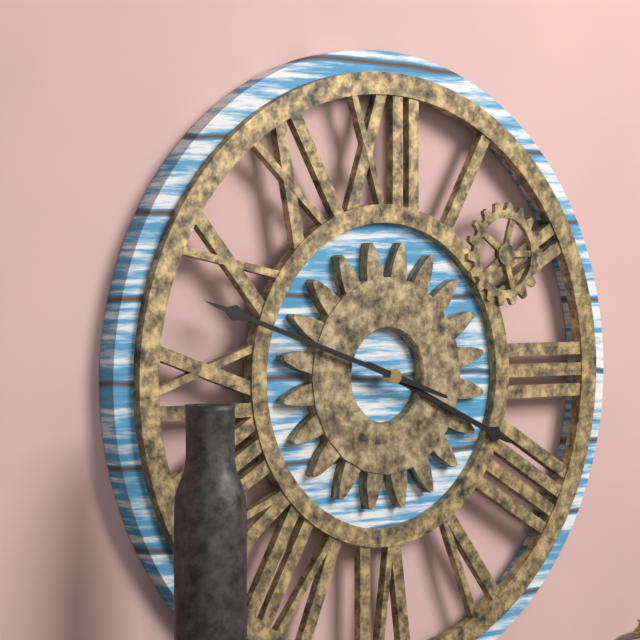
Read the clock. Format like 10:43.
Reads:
3:48
